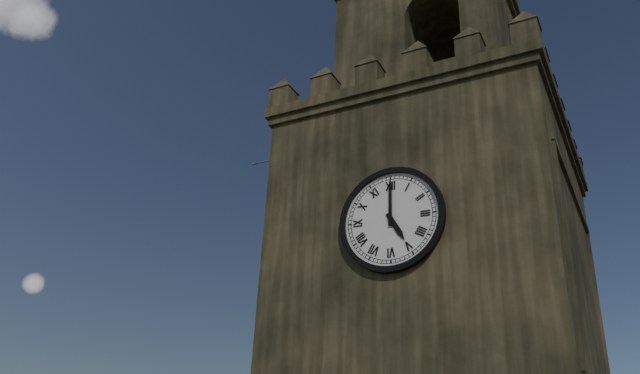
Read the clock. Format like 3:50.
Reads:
5:00
